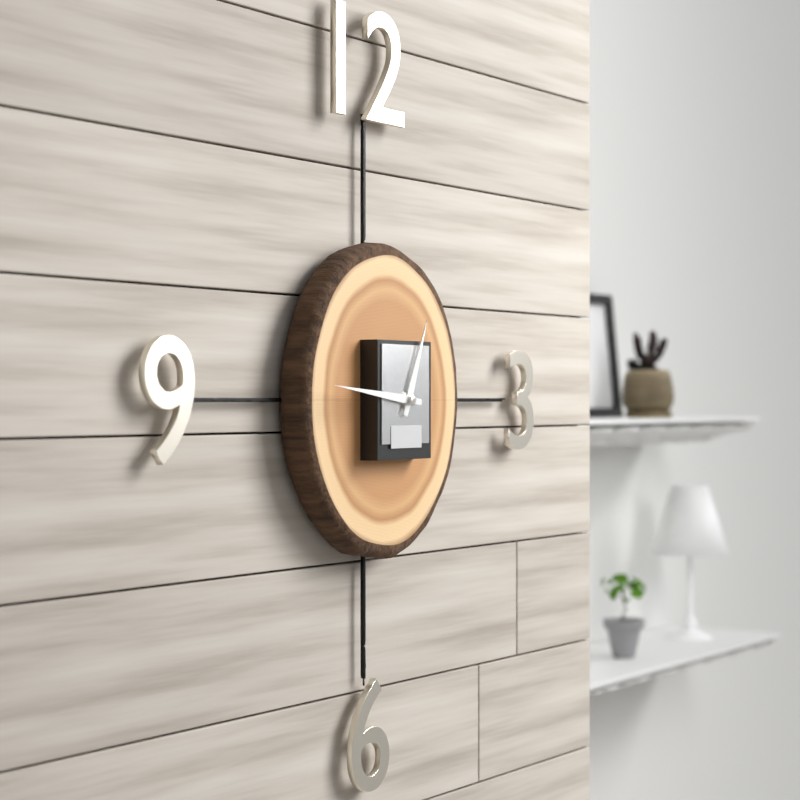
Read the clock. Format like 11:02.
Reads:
12:46
